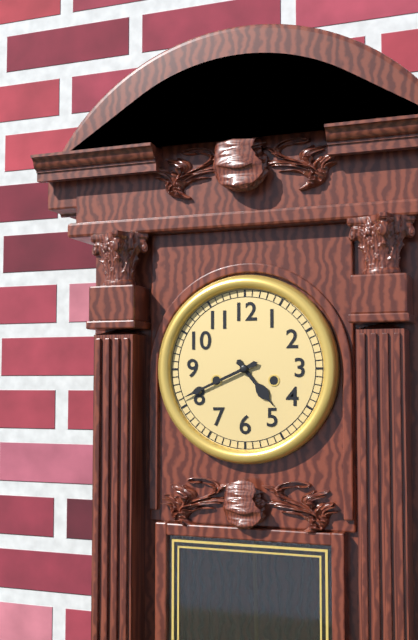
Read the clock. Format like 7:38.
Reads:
4:41
